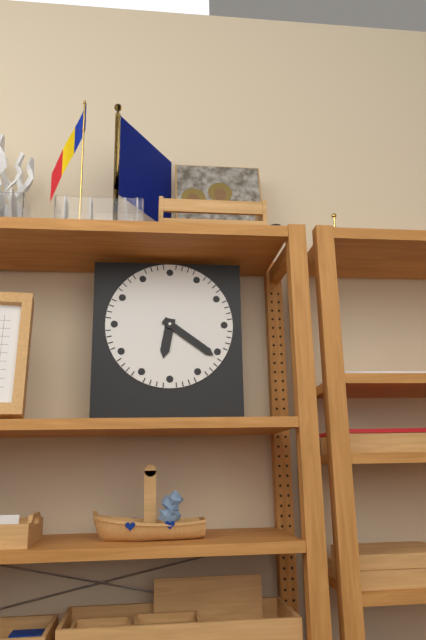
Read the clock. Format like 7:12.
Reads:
6:21
